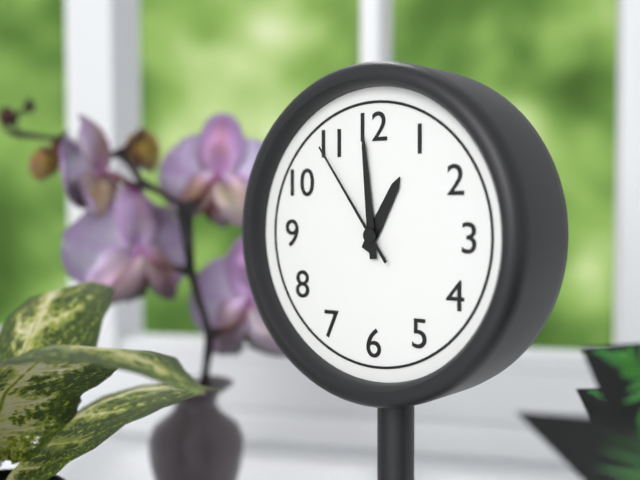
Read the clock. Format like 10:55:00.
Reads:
12:59:54
